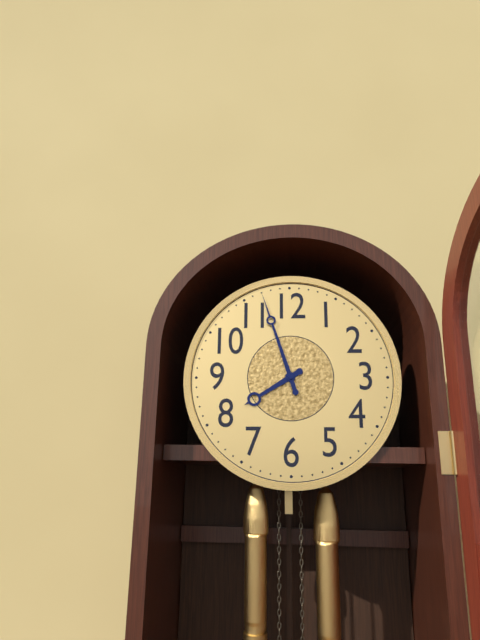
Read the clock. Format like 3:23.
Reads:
7:57
